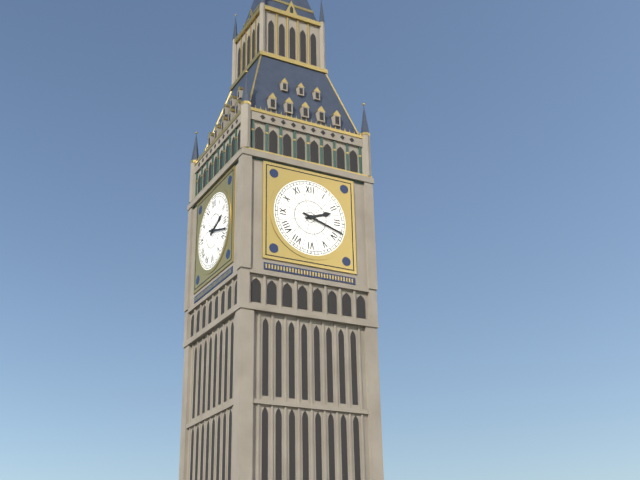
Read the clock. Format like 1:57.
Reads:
2:18
